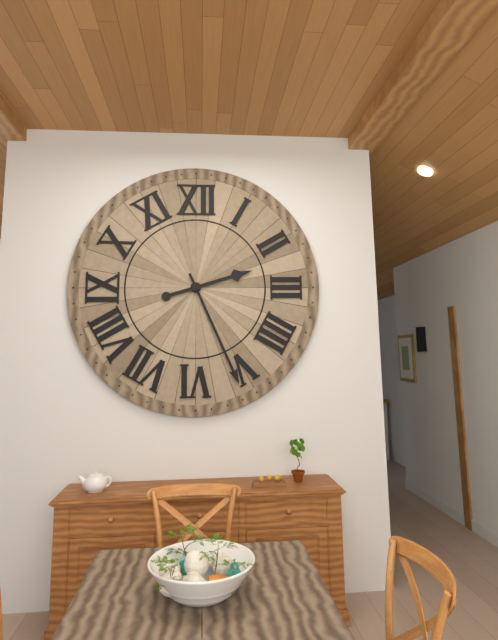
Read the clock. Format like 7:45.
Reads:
2:26
